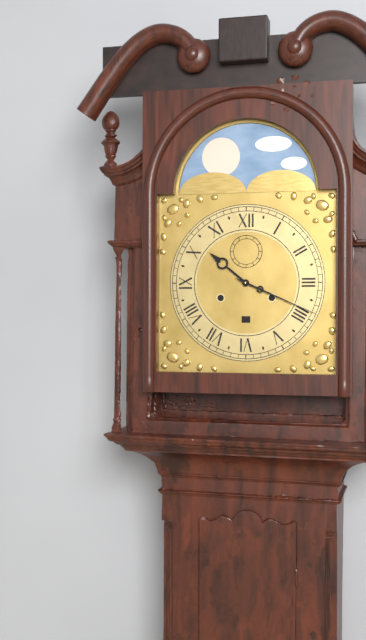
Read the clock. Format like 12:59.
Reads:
10:19
